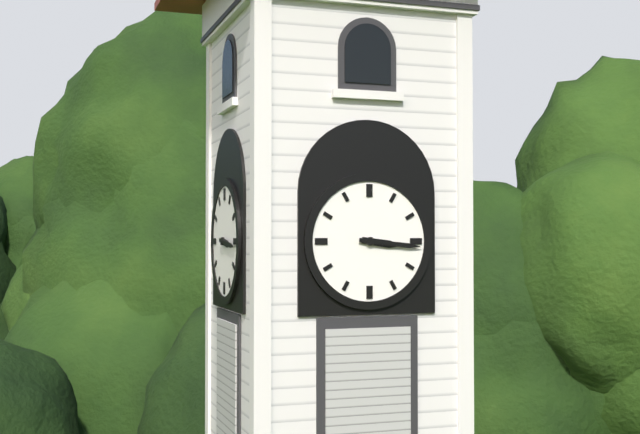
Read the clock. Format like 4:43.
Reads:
3:16
